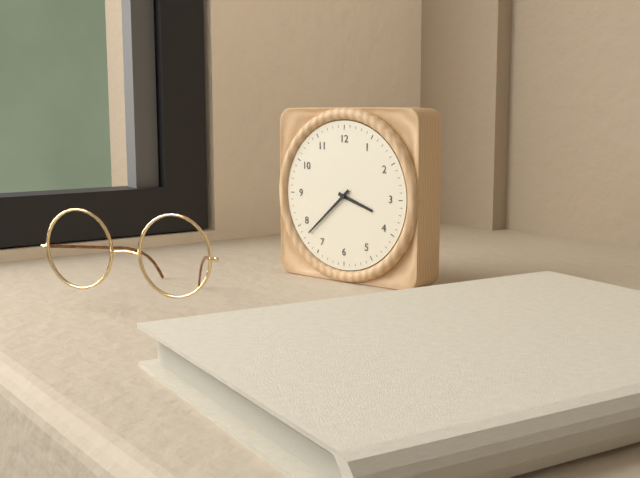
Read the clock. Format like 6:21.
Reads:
3:38
